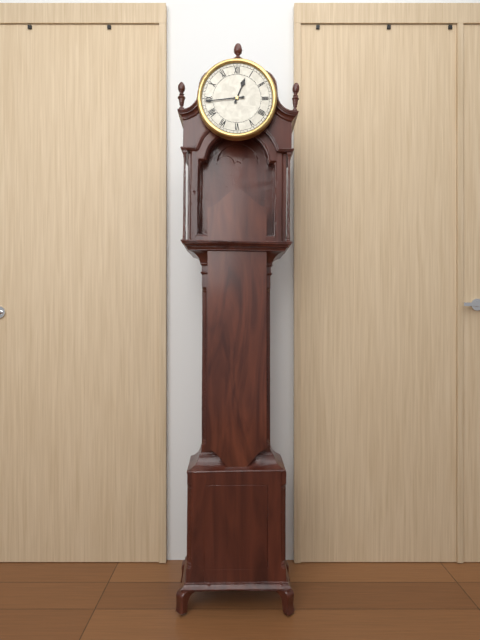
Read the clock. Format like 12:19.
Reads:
12:44
